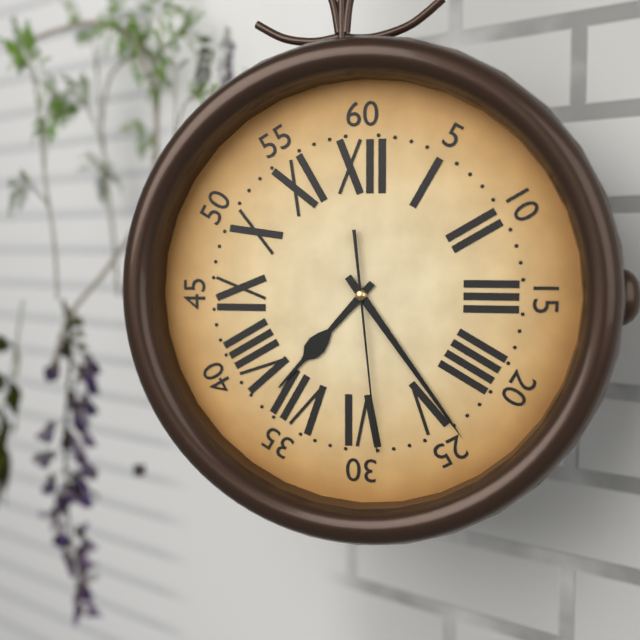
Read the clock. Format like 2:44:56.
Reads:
7:24:29
